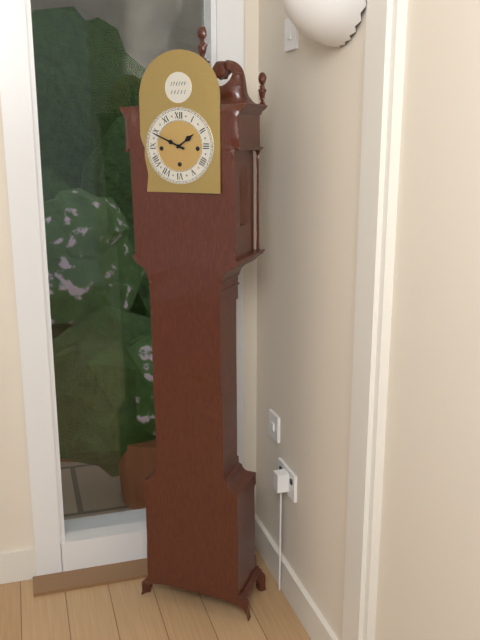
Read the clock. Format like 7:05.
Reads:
1:49
